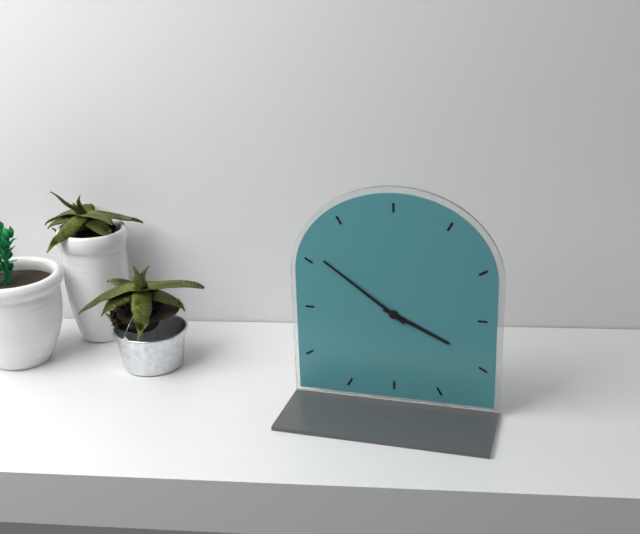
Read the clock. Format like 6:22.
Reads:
3:51
